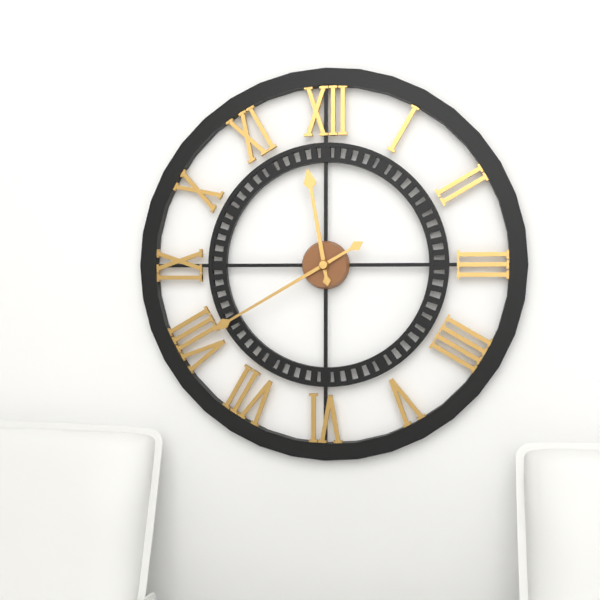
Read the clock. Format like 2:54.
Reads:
11:40
